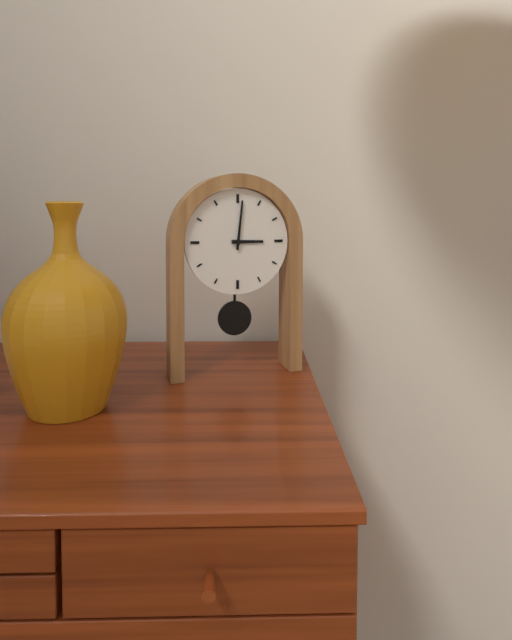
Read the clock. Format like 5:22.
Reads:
3:01
